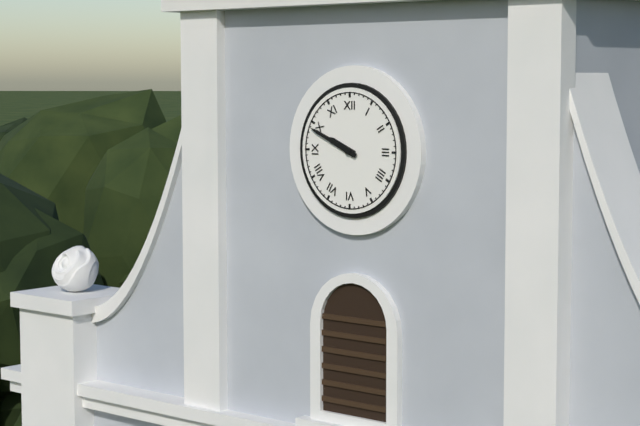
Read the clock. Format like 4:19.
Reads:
9:49
